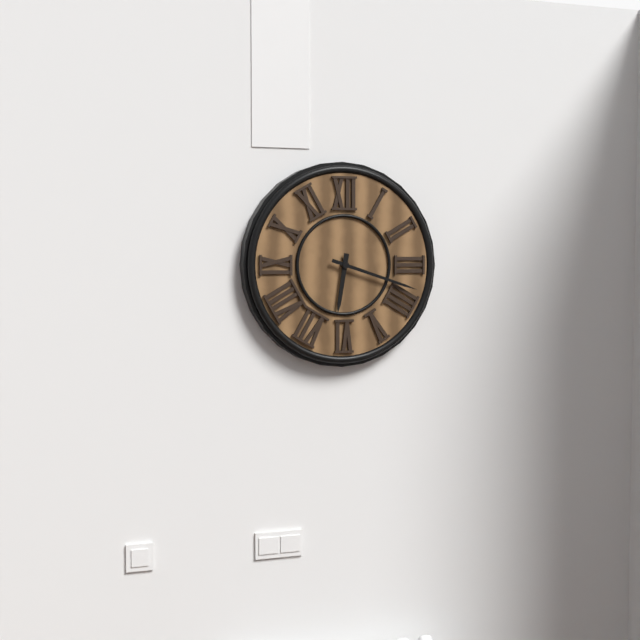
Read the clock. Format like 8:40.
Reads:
6:18
